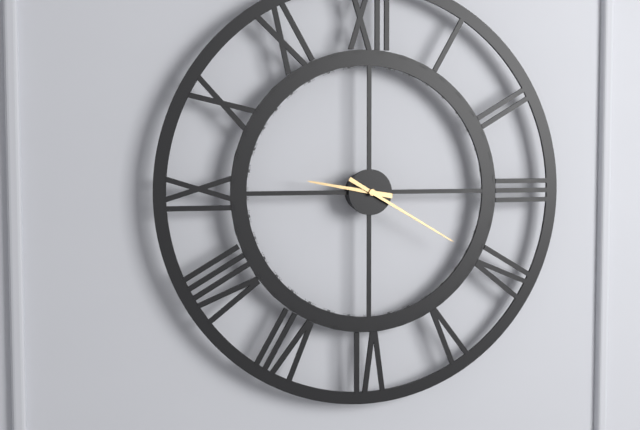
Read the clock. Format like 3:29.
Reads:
9:20
